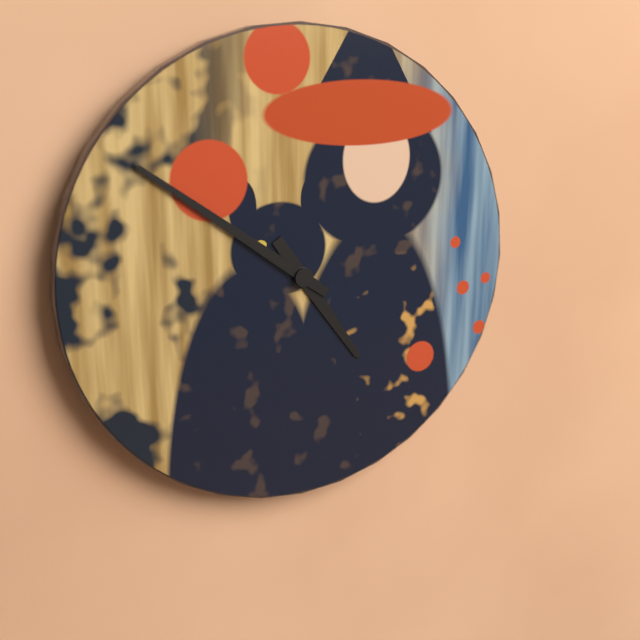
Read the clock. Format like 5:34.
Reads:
4:51
